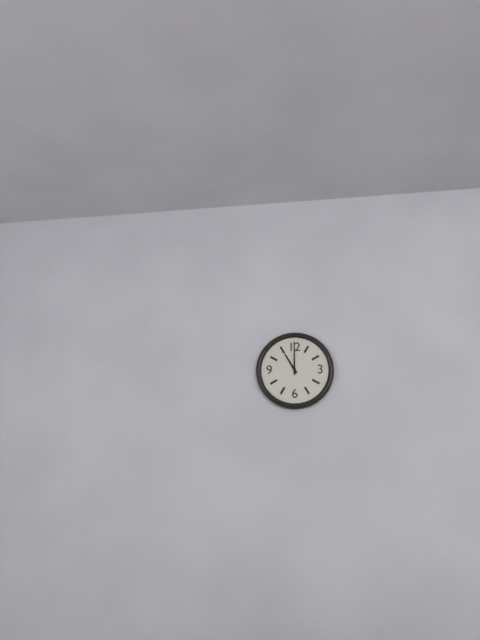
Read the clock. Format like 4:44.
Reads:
11:00
